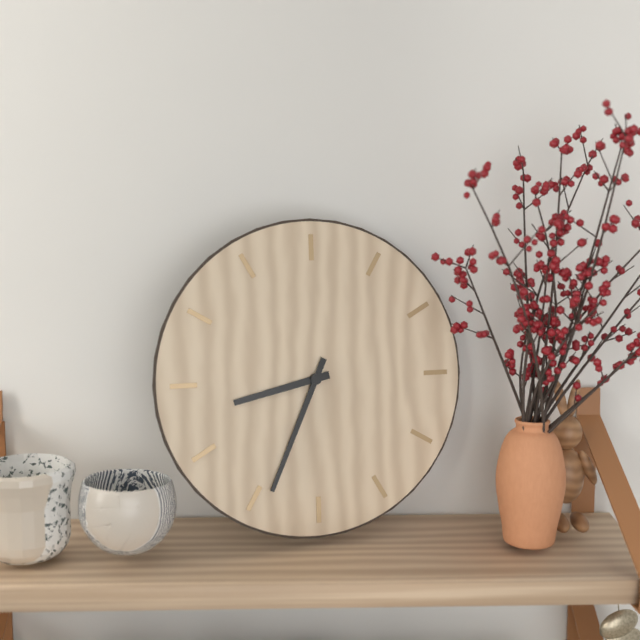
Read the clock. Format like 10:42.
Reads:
8:34
